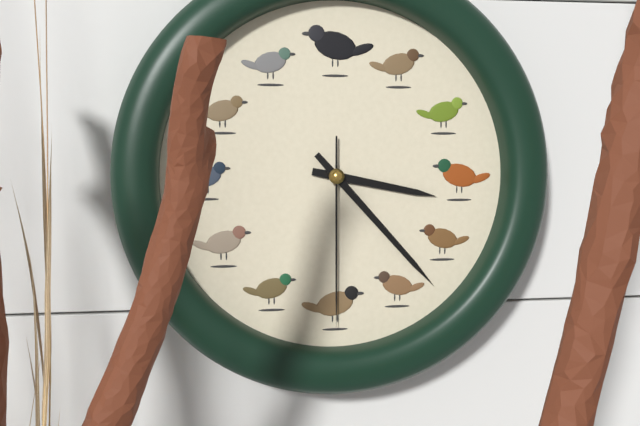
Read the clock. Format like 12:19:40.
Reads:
3:23:30
